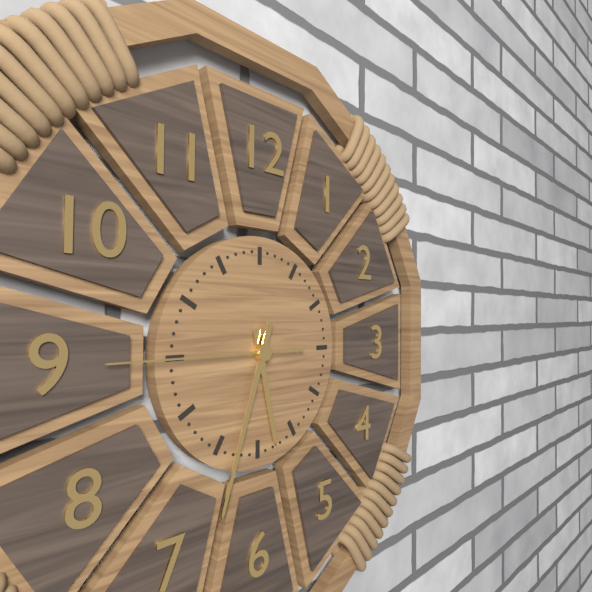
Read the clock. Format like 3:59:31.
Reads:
5:33:45
